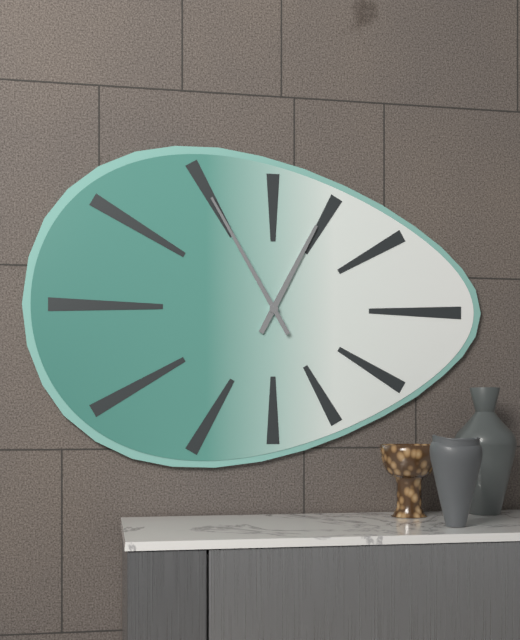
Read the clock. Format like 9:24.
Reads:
12:55
